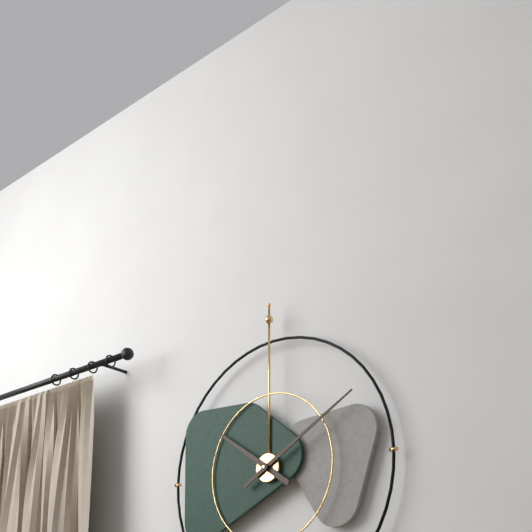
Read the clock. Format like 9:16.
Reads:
10:10
